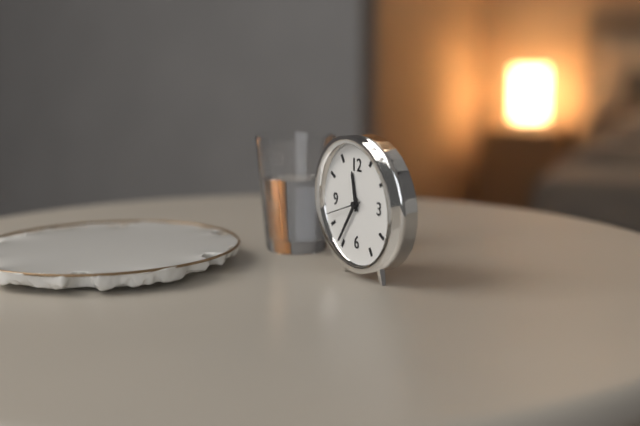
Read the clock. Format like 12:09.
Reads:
11:36
